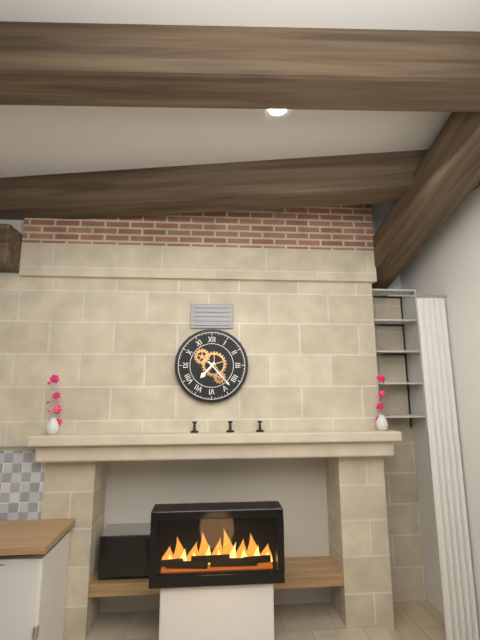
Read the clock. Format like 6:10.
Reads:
7:23
